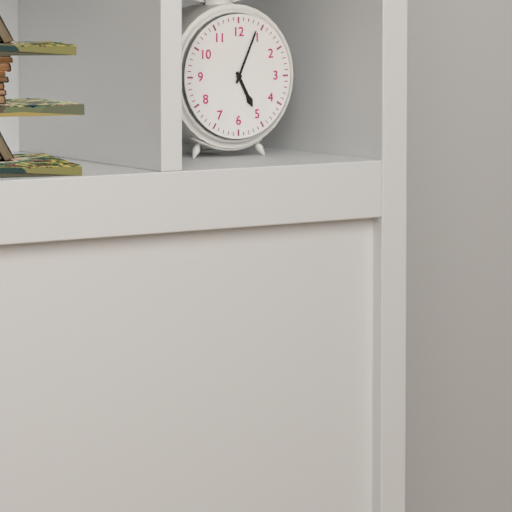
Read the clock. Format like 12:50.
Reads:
5:04
